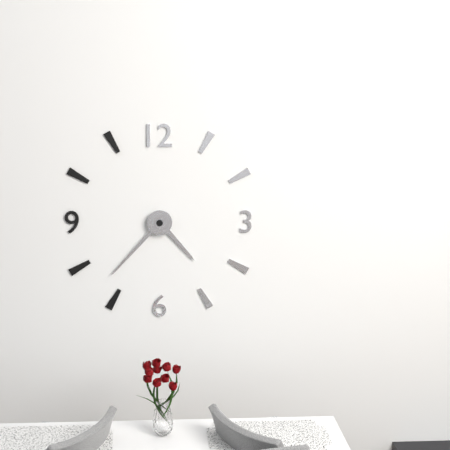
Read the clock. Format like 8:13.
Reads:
4:37
